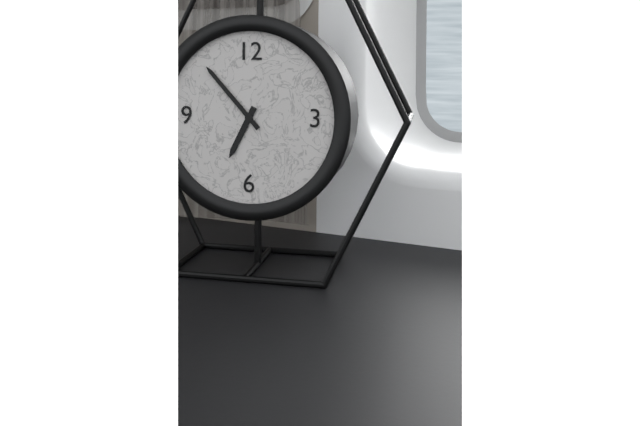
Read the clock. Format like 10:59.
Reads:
6:53
